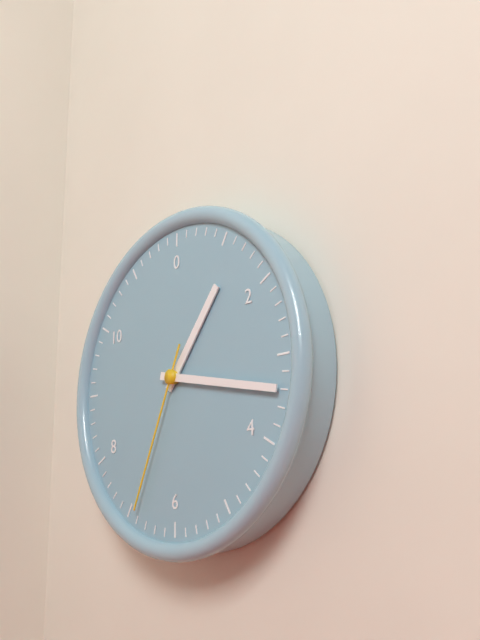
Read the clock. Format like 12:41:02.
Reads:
1:17:34
